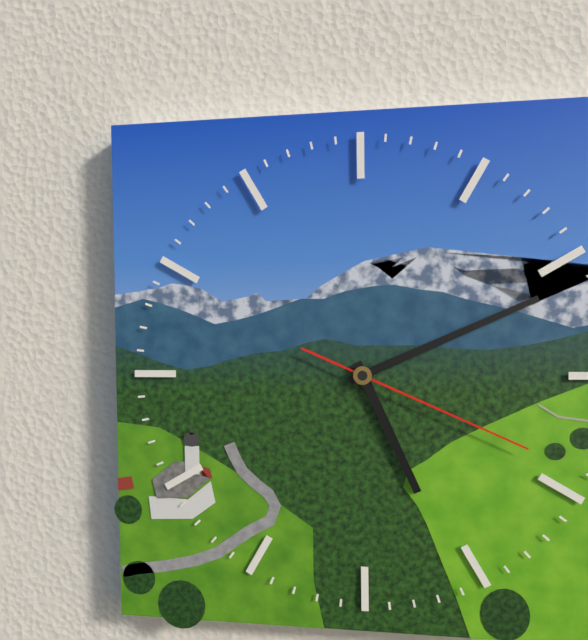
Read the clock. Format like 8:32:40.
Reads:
5:11:19
